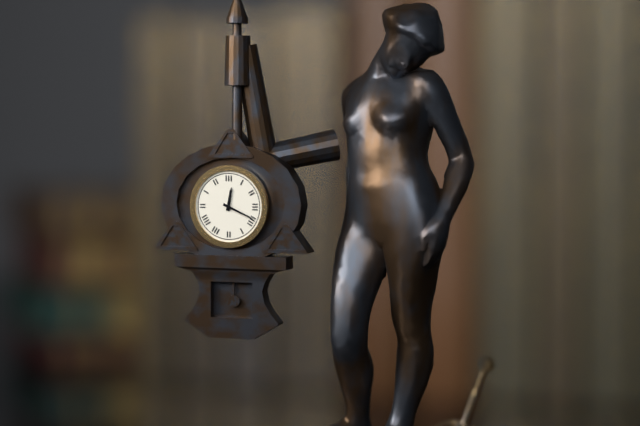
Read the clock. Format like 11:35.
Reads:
12:19
